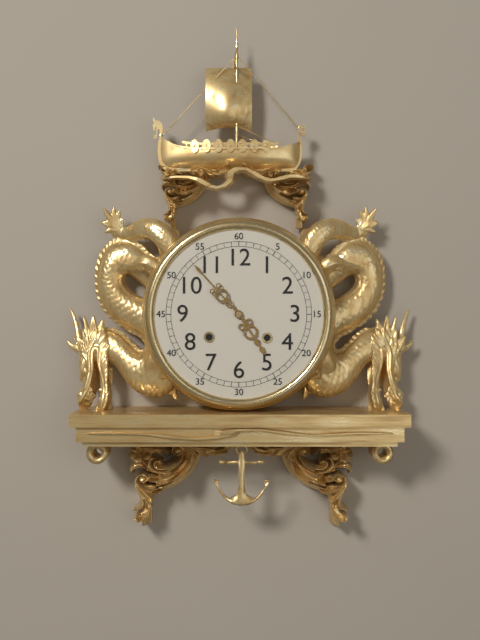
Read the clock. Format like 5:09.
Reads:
4:53
